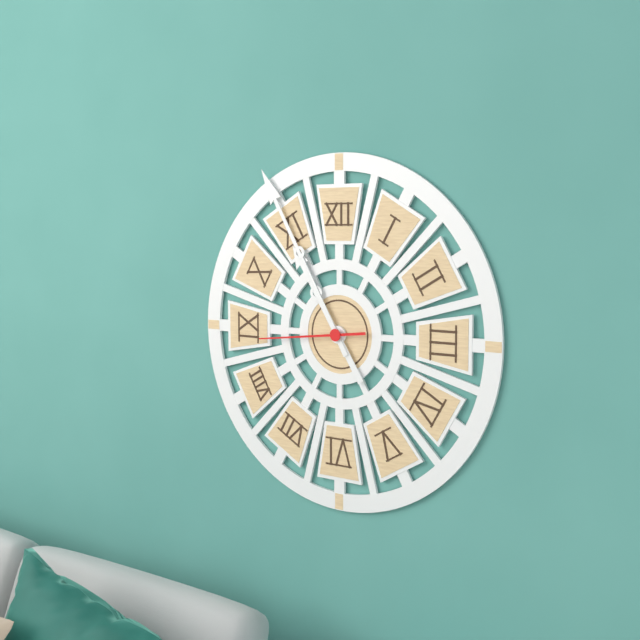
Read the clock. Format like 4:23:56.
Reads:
10:55:44
